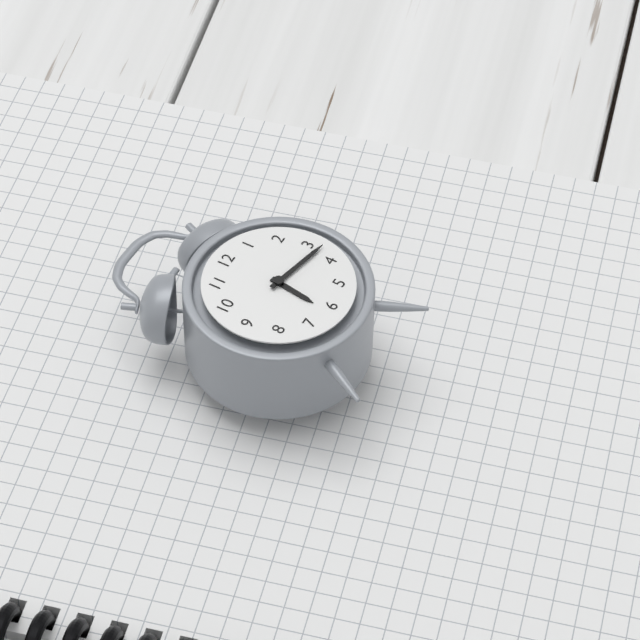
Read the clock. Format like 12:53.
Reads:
6:17
